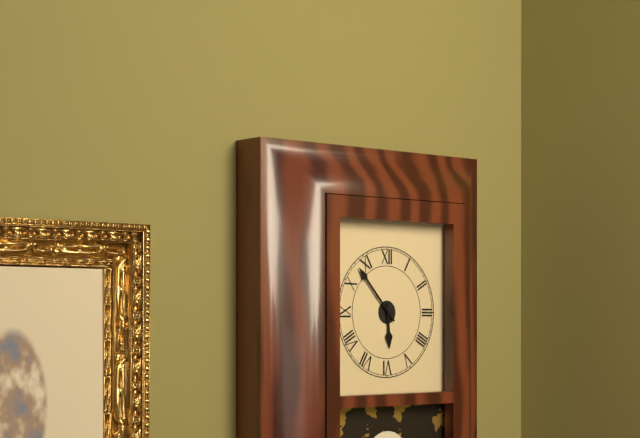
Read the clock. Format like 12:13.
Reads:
5:53
